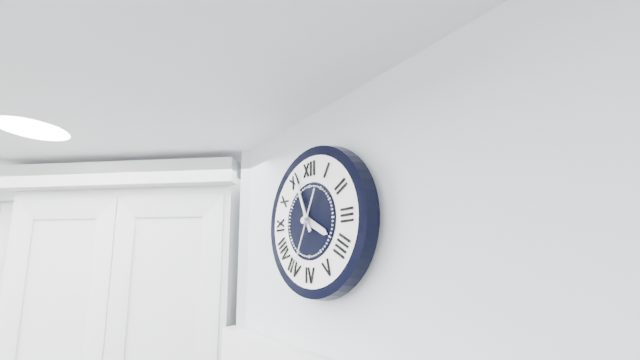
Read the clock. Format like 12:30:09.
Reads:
3:56:34
